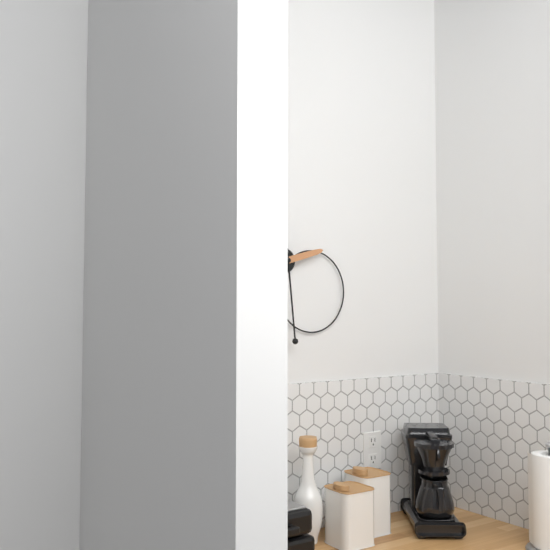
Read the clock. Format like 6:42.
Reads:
2:29
